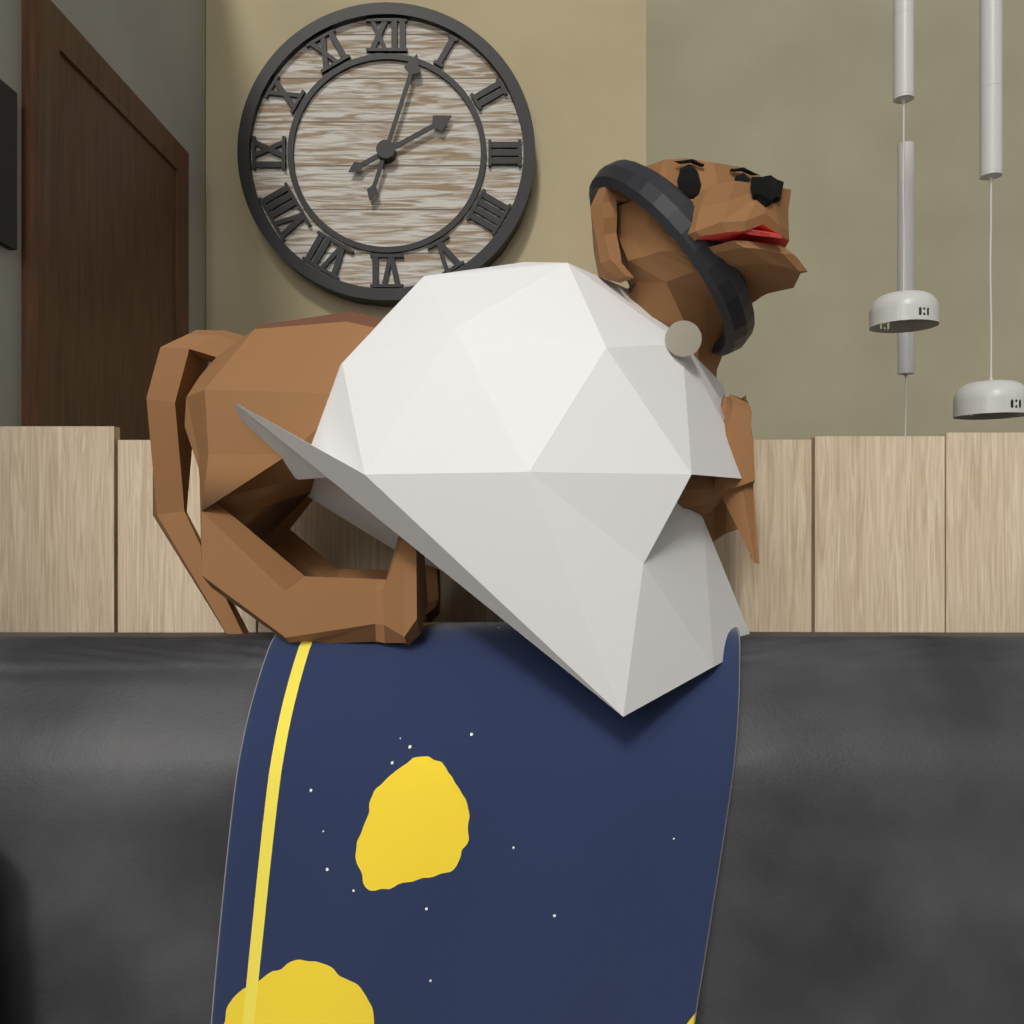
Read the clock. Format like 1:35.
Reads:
2:03
